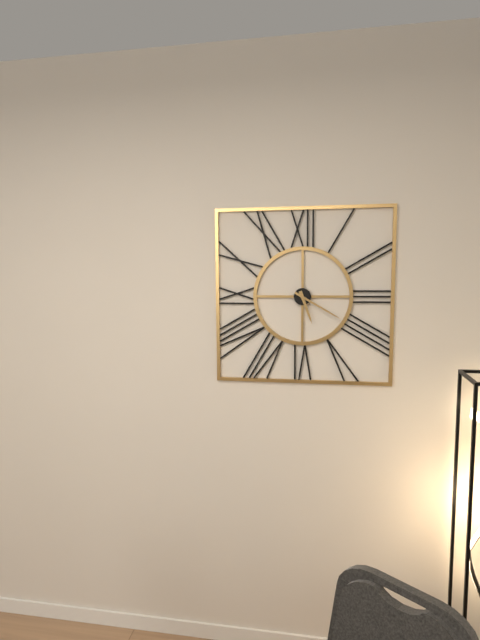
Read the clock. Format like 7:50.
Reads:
5:20
